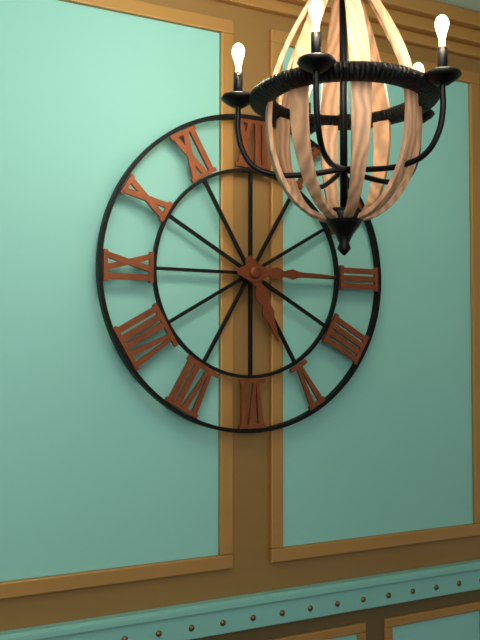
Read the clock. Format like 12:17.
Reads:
5:15
